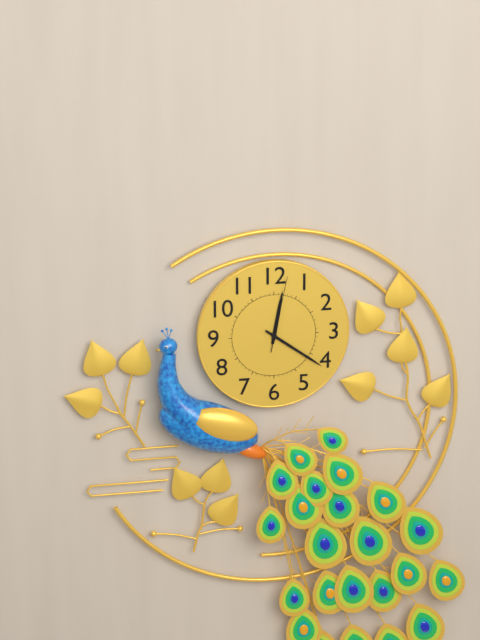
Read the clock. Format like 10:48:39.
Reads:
12:21:02
